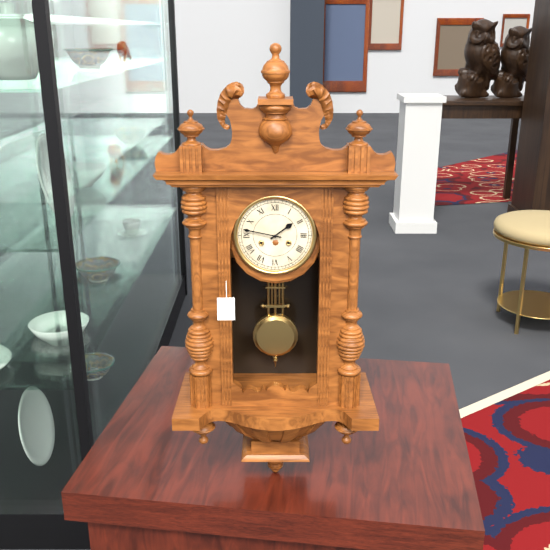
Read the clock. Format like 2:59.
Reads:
1:47
